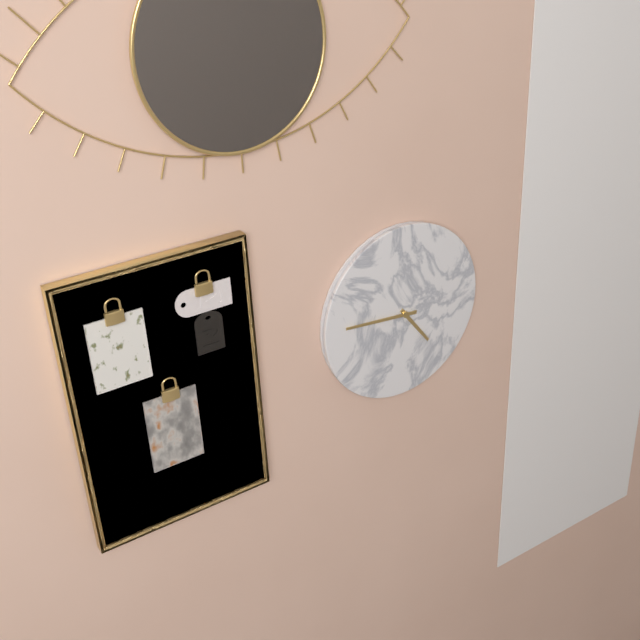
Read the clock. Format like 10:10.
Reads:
4:46
